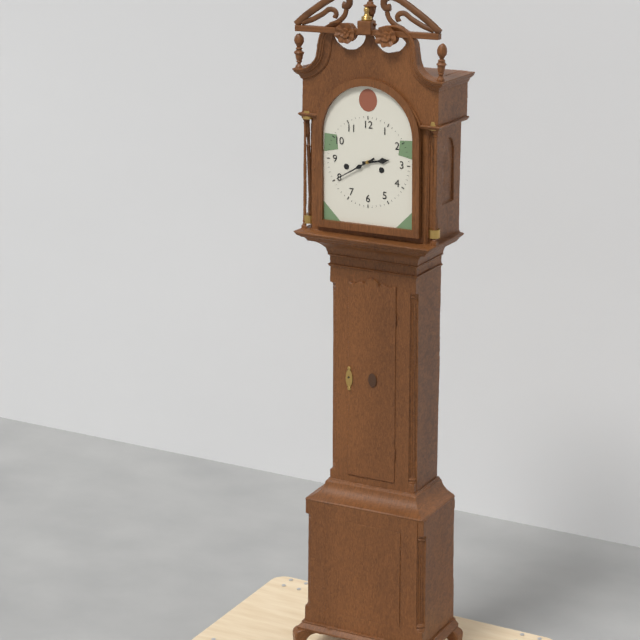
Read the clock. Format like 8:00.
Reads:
2:40
